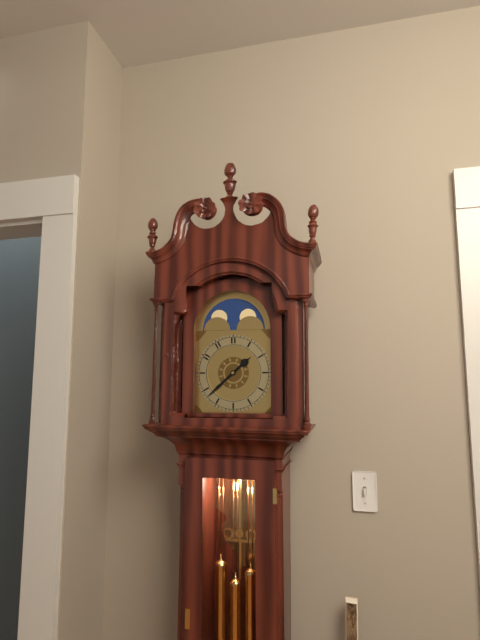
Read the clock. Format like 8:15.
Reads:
1:38
